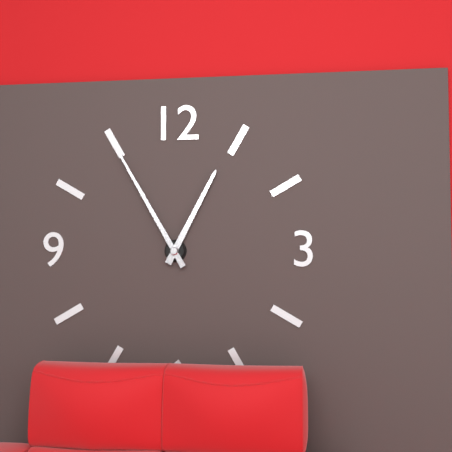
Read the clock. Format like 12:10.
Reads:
12:55
